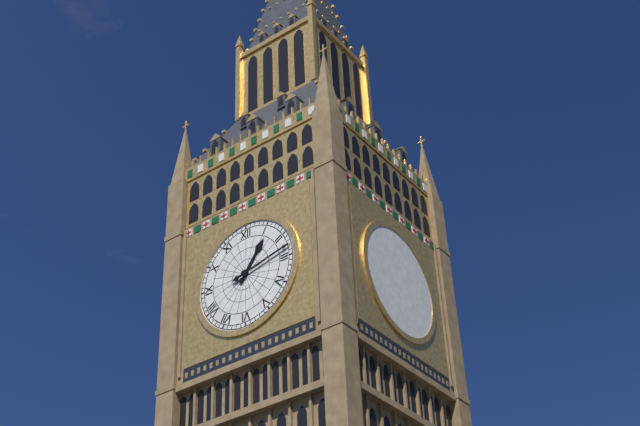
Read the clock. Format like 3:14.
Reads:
1:13
